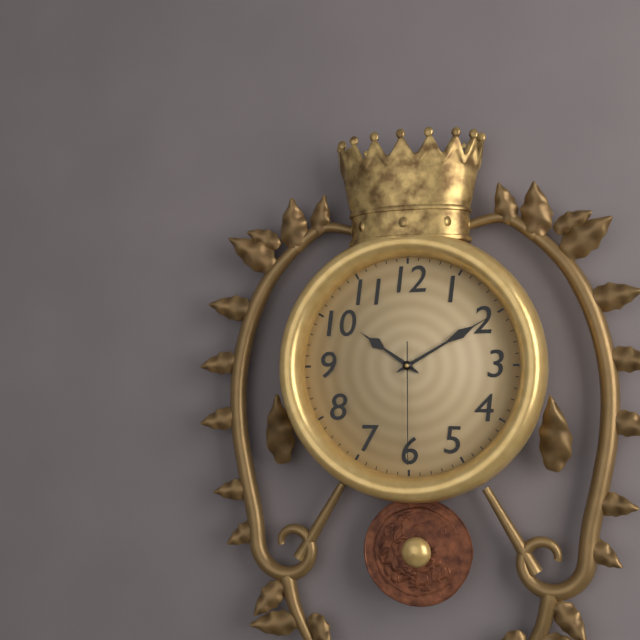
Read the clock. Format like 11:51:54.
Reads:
10:10:30
